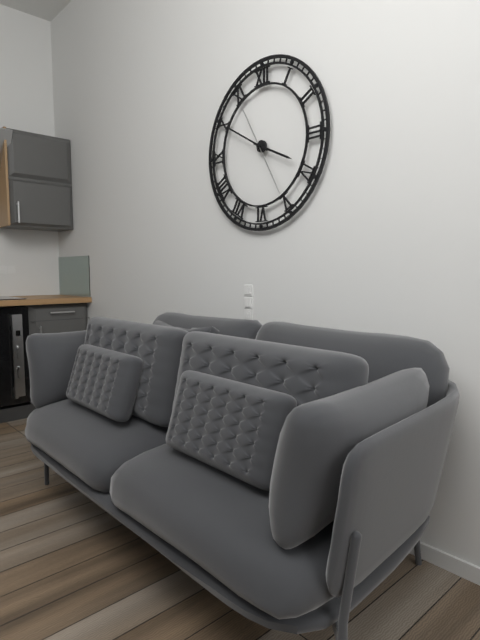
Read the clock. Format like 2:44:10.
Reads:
3:50:25
